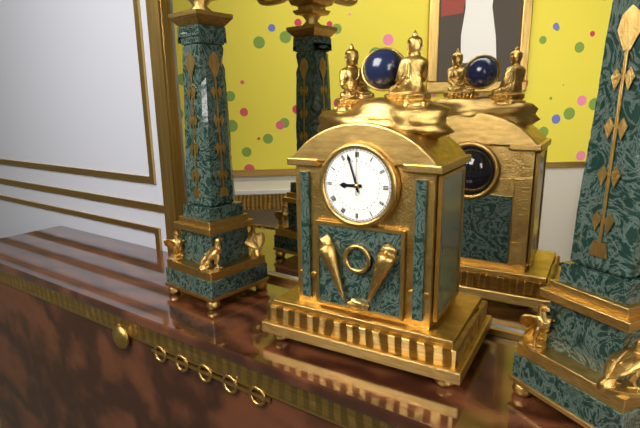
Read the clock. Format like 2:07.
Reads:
8:57
